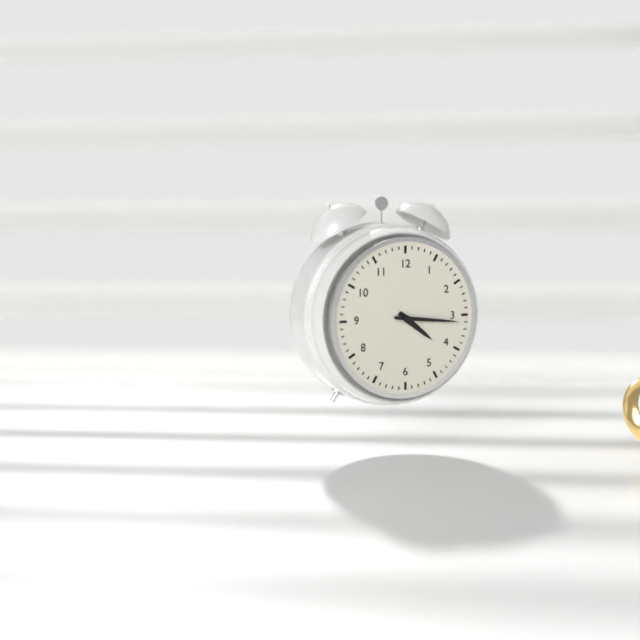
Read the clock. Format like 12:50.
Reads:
4:16
